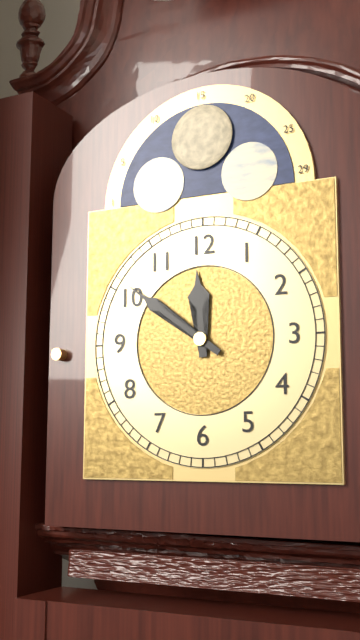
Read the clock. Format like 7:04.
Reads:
11:51
